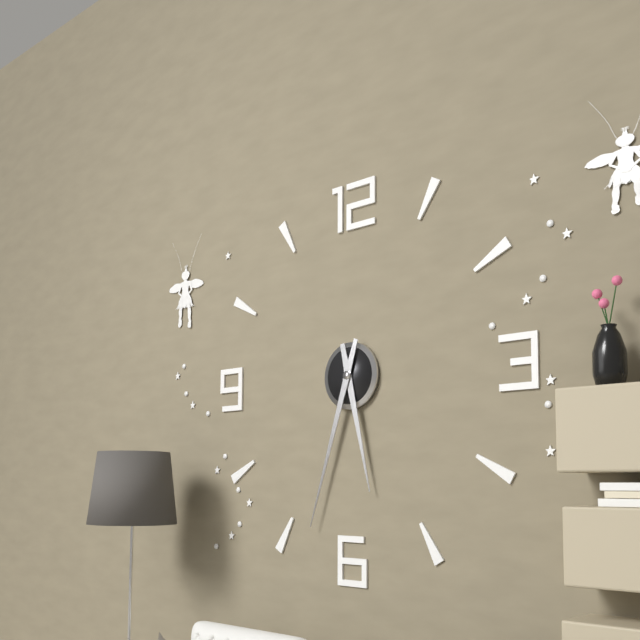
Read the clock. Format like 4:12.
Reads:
5:33
